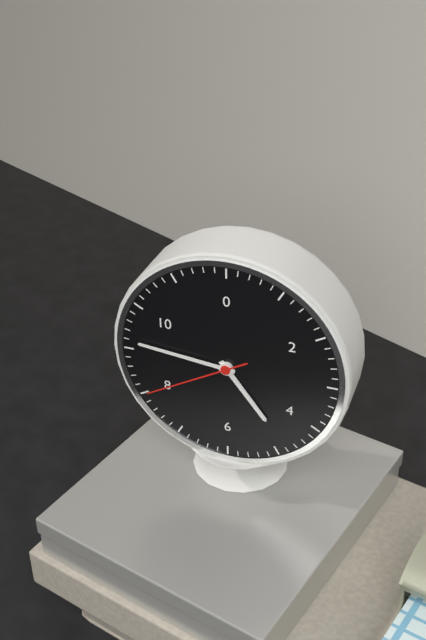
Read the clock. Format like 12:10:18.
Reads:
4:46:40
